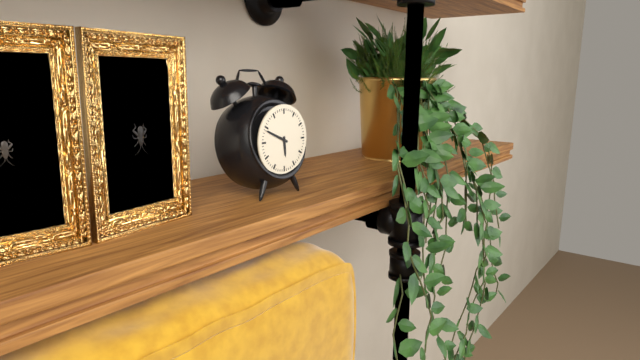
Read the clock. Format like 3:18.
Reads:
5:49
